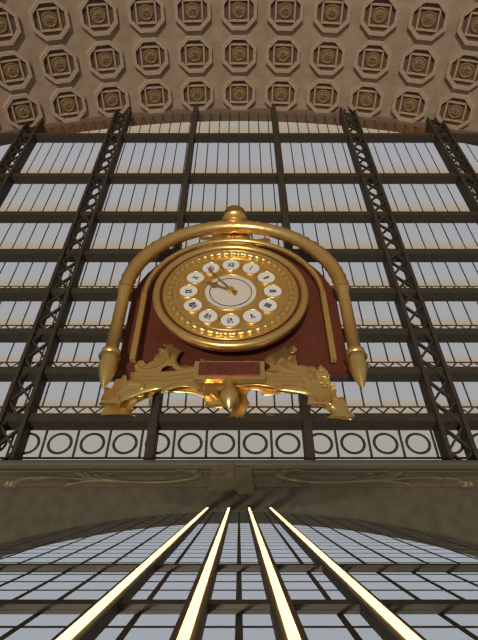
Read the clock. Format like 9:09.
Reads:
9:54
